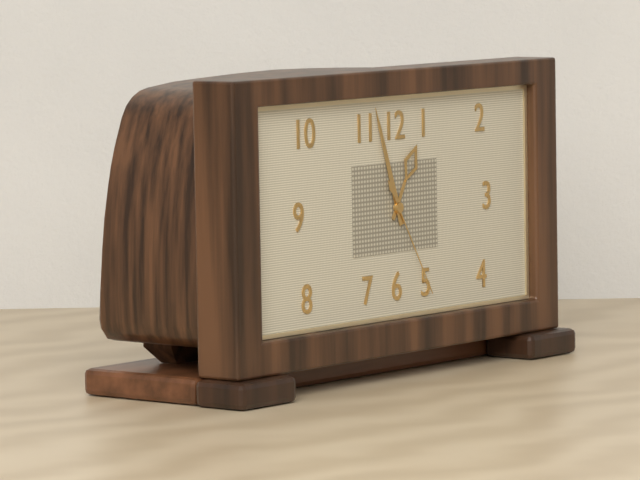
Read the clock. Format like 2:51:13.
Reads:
12:57:25
